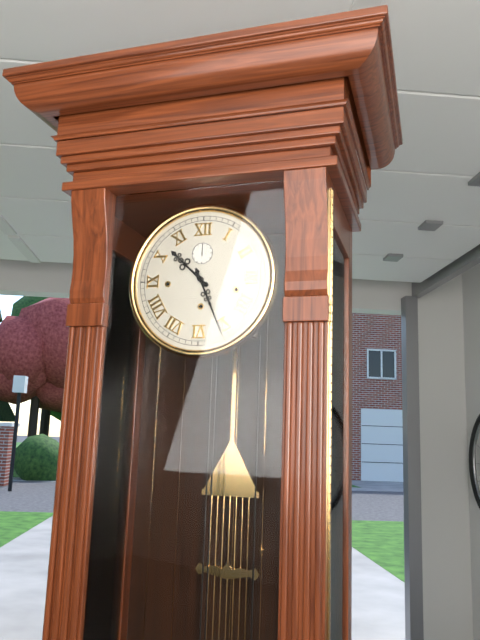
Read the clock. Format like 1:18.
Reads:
10:26
